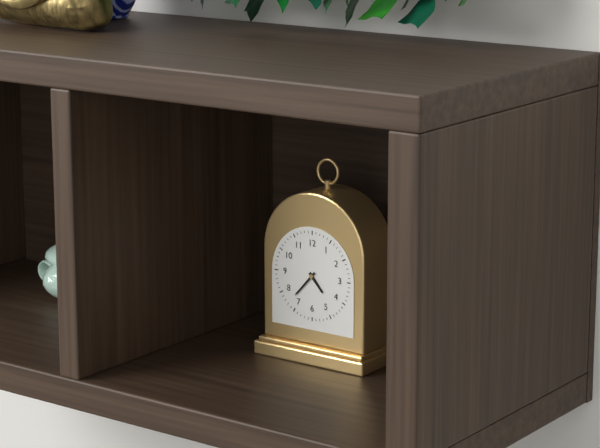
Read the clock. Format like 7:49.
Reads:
4:37
